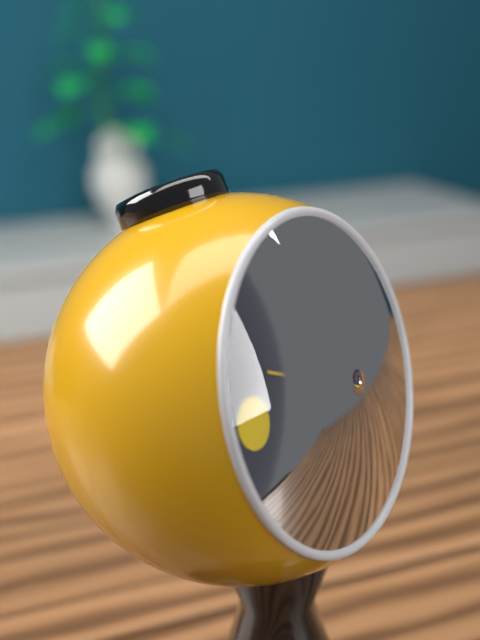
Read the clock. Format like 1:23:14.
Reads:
6:35:19
